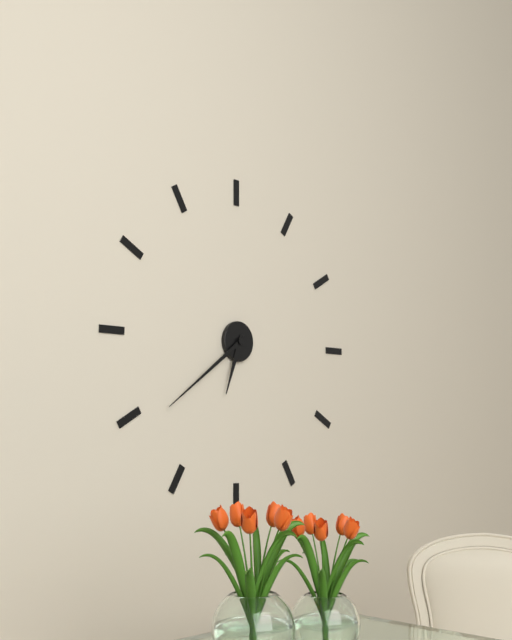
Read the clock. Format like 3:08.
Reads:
6:39
